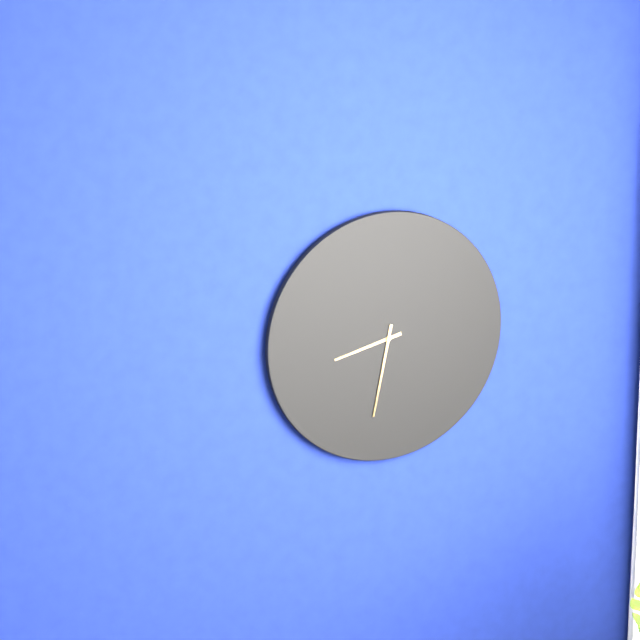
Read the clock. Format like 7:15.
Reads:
8:32
